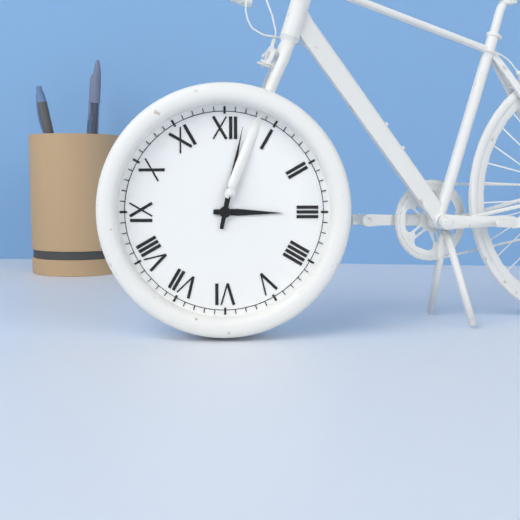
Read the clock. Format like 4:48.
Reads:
3:02
